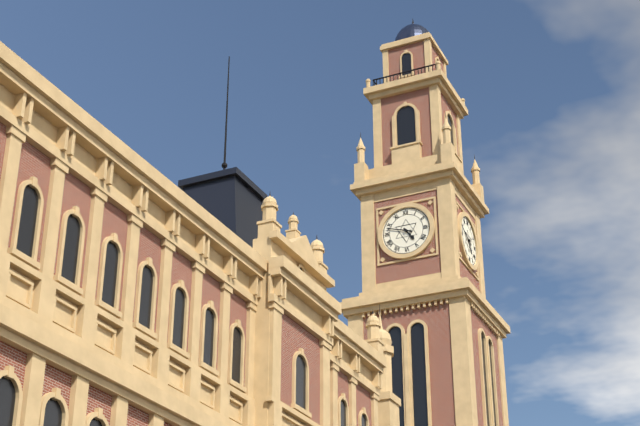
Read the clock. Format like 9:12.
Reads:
4:48
